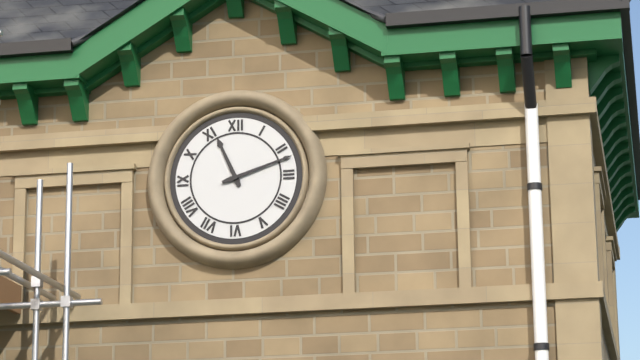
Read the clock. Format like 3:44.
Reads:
11:12
